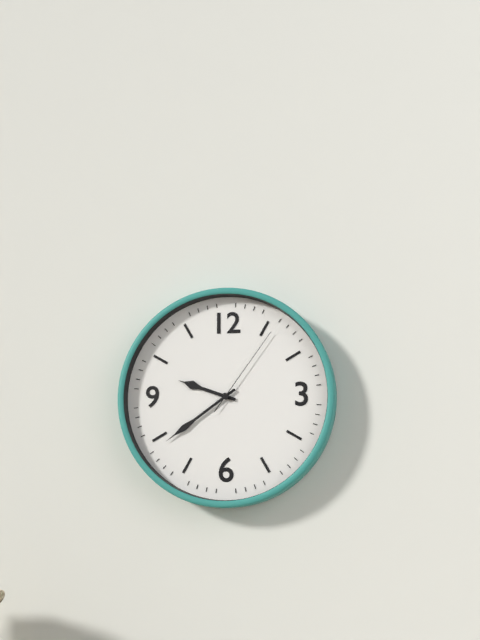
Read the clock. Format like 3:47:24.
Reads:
9:39:06
